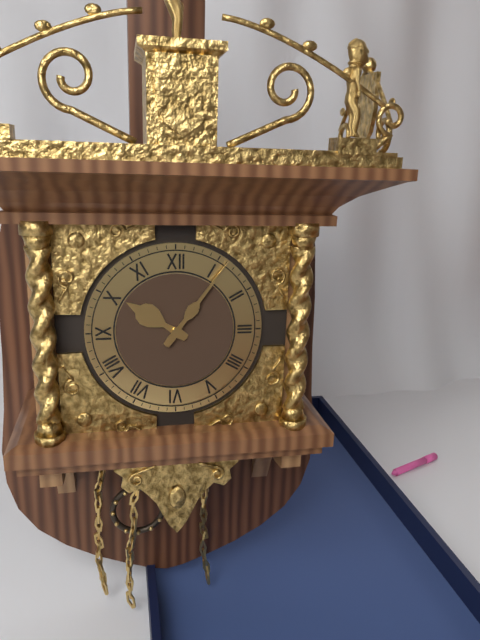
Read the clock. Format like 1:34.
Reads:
10:06
